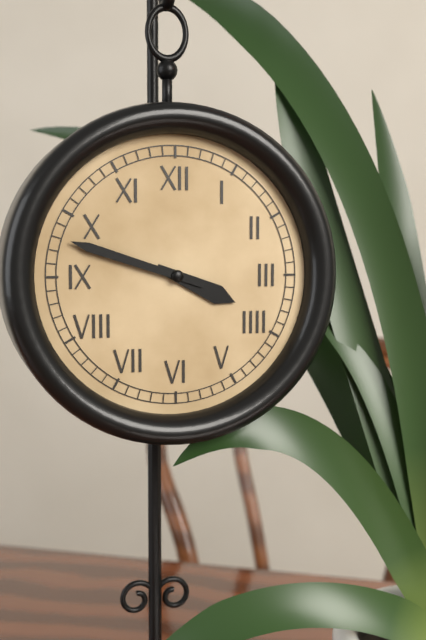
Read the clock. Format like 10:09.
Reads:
3:48
